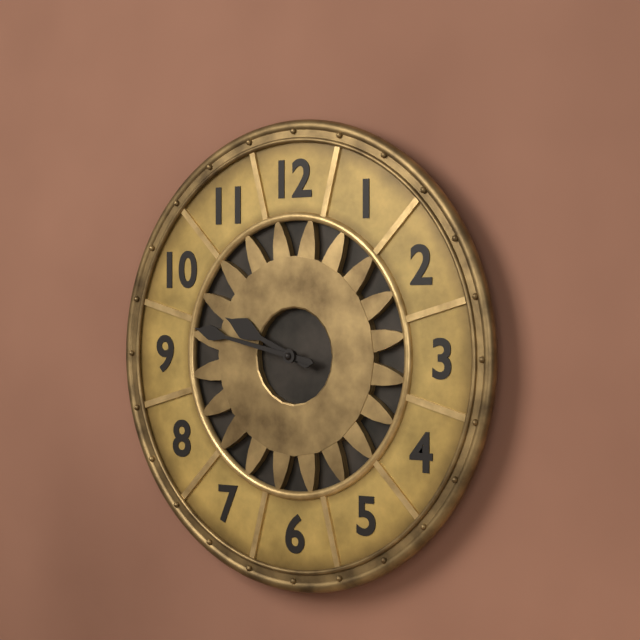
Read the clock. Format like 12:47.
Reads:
9:47
